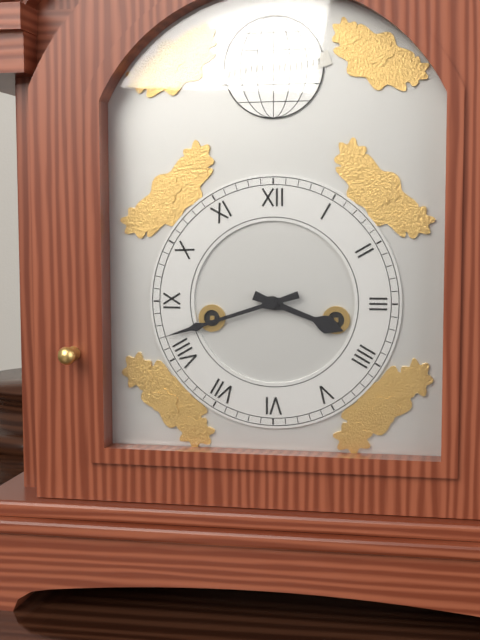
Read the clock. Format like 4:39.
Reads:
3:42
